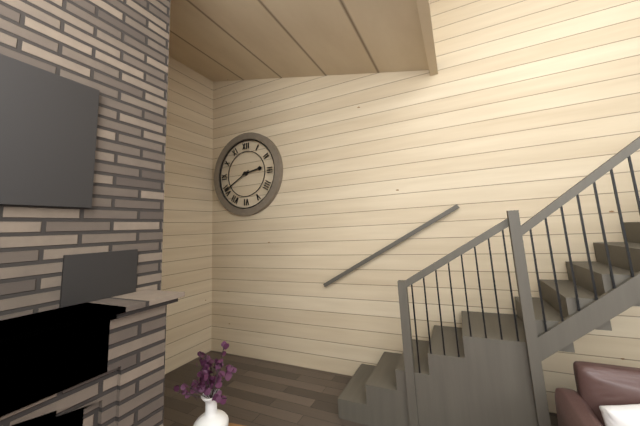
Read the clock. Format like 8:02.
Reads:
2:40
